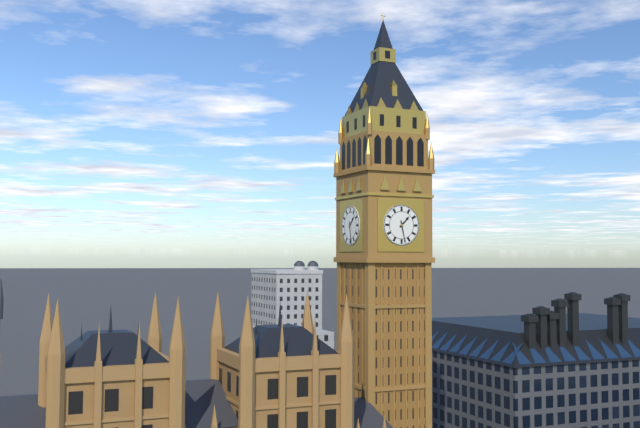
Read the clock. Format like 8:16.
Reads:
1:28
